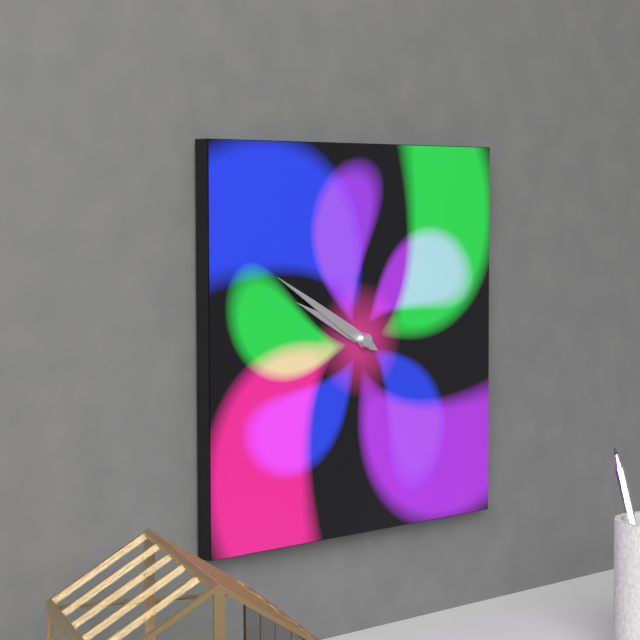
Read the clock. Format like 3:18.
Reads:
9:50
